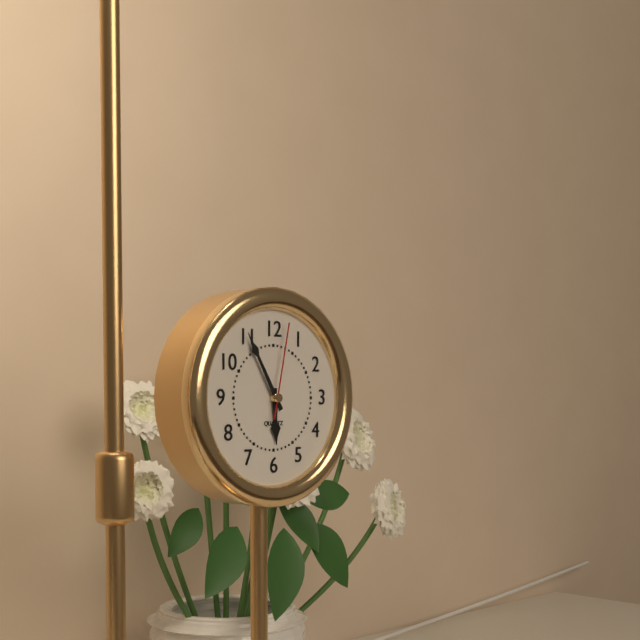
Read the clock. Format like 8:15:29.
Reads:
5:55:02
